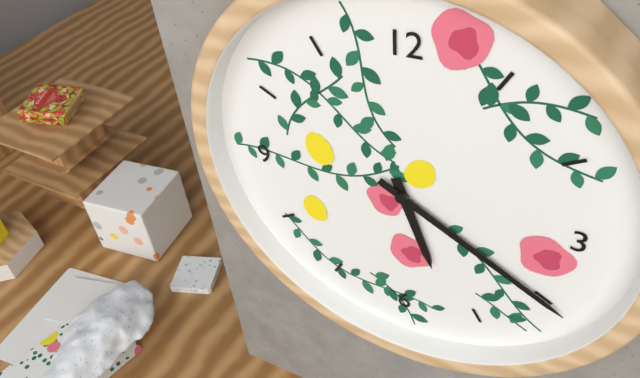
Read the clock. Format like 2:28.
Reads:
5:20
